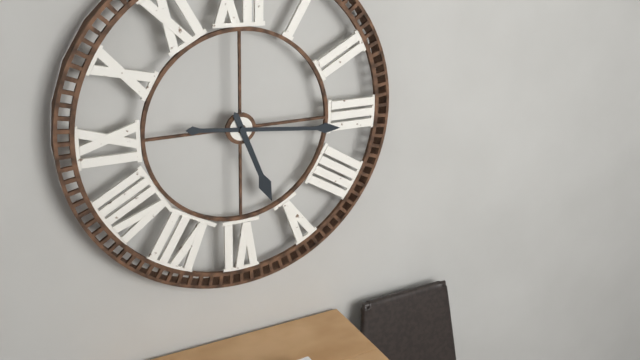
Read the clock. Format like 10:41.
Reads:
5:16
